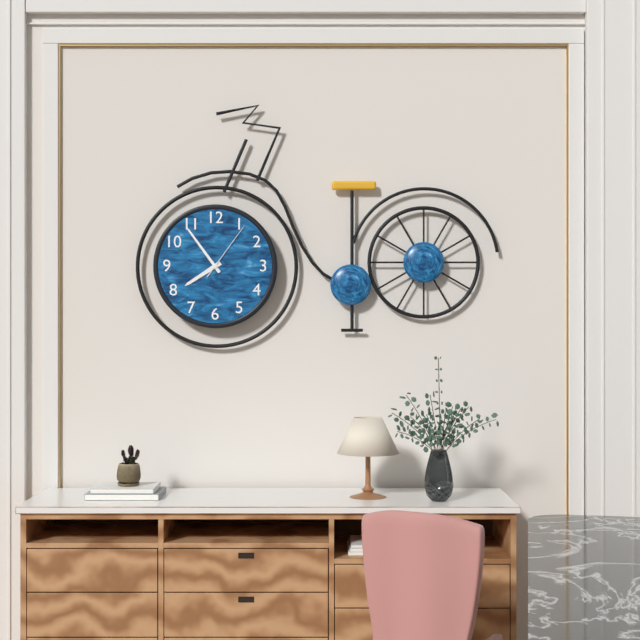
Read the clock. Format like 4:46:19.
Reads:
7:54:06
